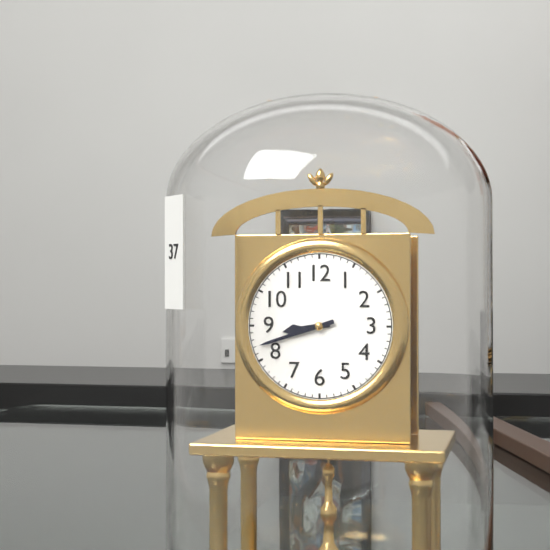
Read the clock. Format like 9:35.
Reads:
8:42
